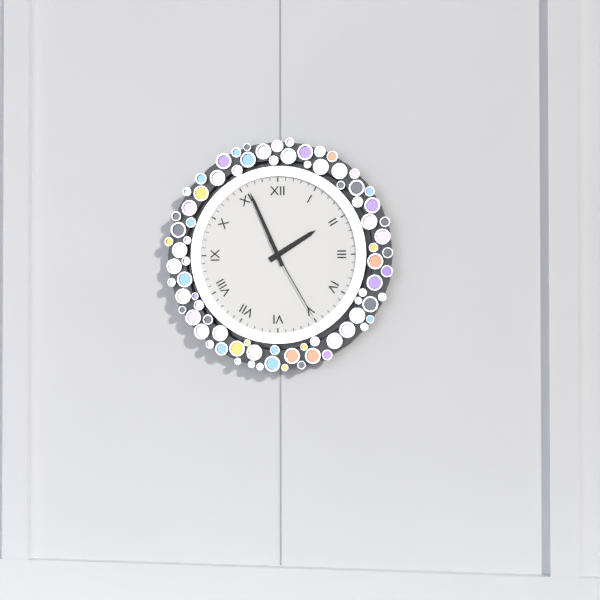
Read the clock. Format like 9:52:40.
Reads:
1:56:25
